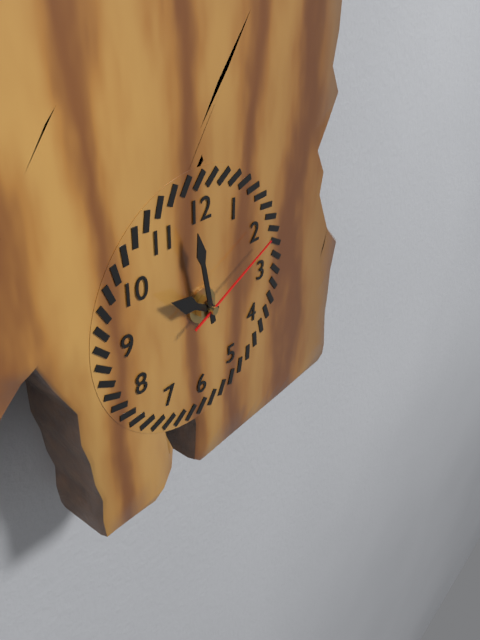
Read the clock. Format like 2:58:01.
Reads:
9:58:11
